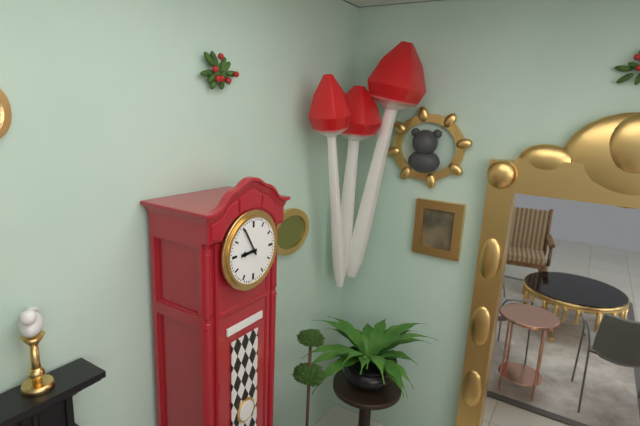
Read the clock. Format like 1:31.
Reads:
8:55
